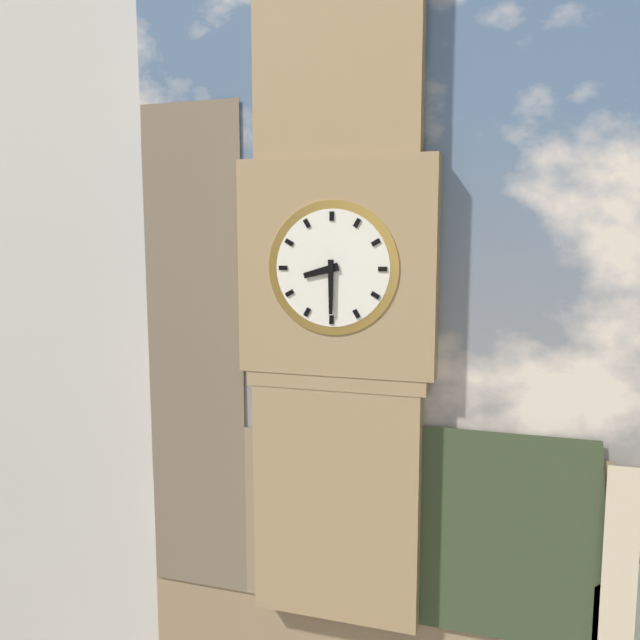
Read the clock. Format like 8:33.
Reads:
8:30
